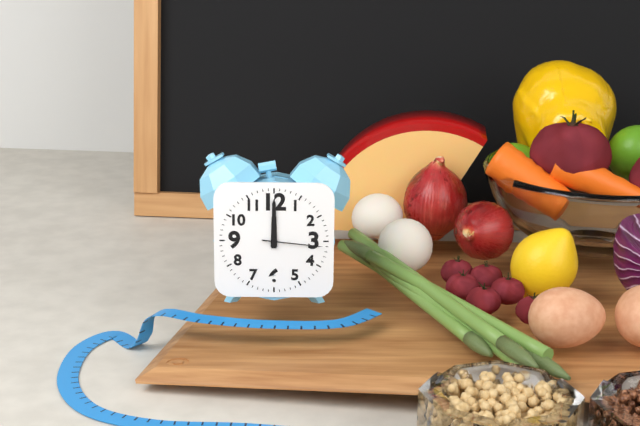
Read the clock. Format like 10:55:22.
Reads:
12:00:16
